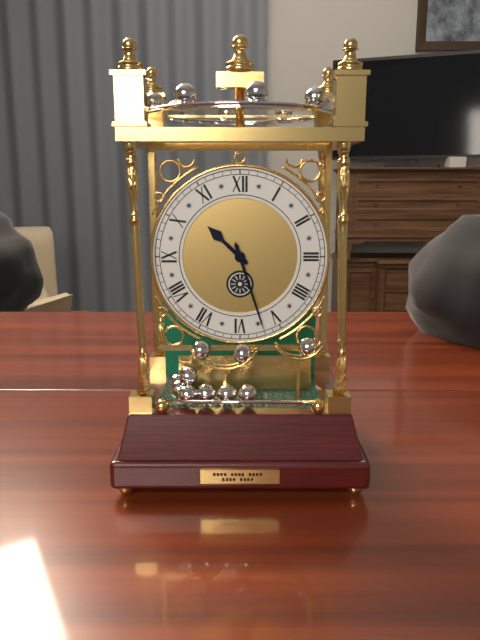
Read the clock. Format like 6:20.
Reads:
10:27
